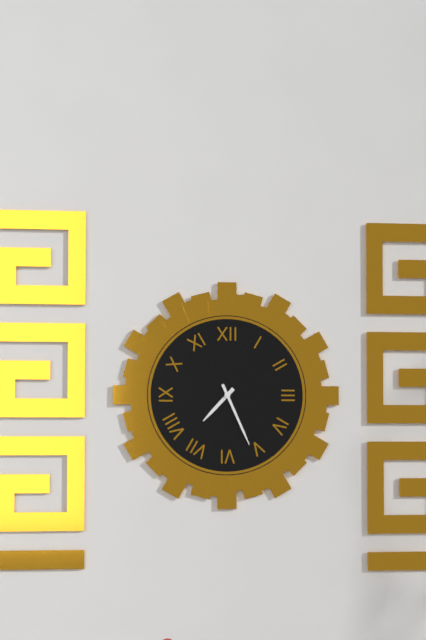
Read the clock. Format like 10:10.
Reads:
7:26
